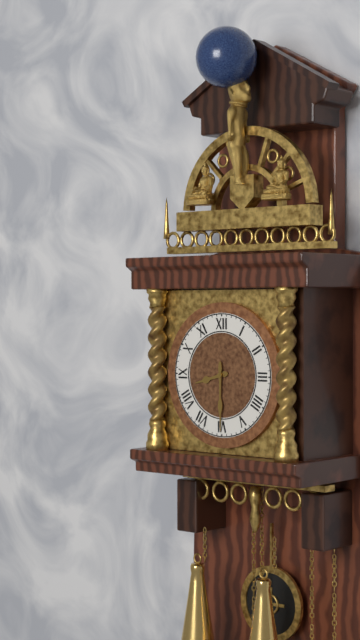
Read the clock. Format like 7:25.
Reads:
8:30
